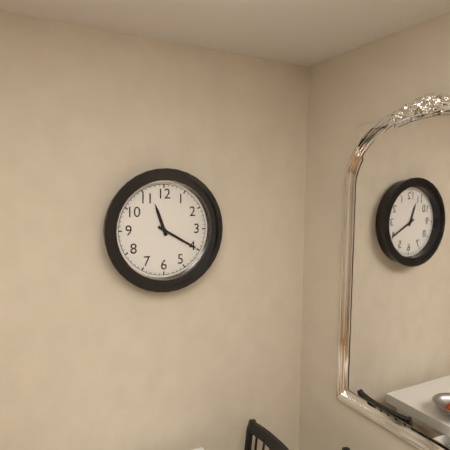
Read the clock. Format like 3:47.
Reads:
11:20
